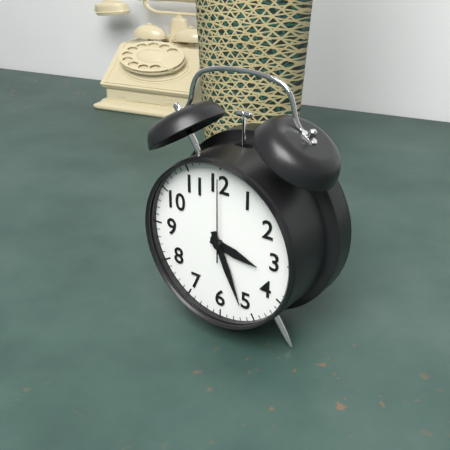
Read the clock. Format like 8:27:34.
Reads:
3:26:00
